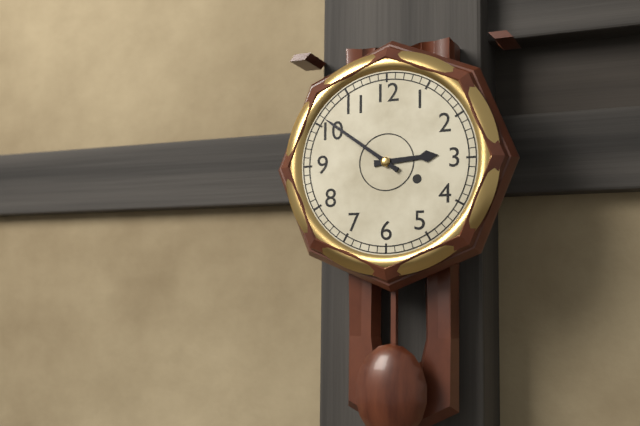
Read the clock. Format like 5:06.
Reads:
2:51
